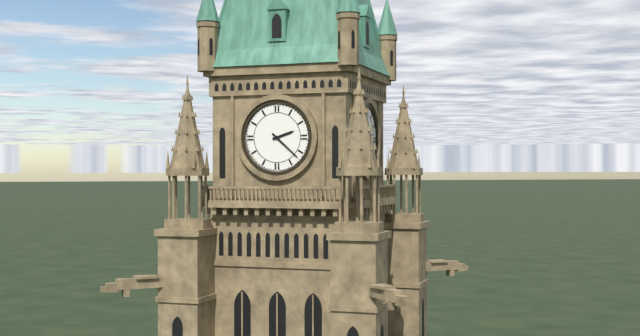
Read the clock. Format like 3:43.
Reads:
2:22
